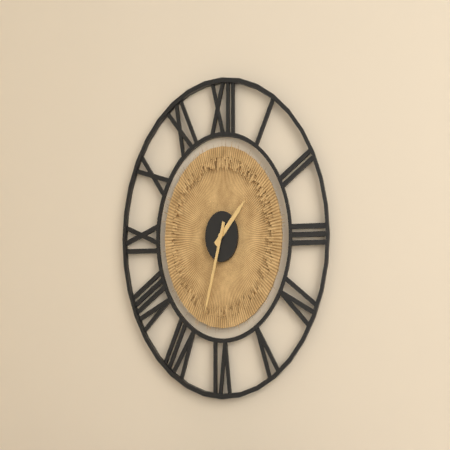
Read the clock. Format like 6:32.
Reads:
1:33
